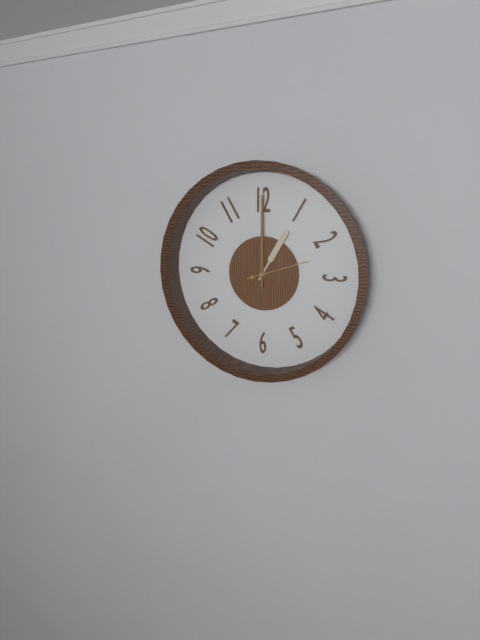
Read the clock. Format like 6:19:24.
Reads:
1:00:12
